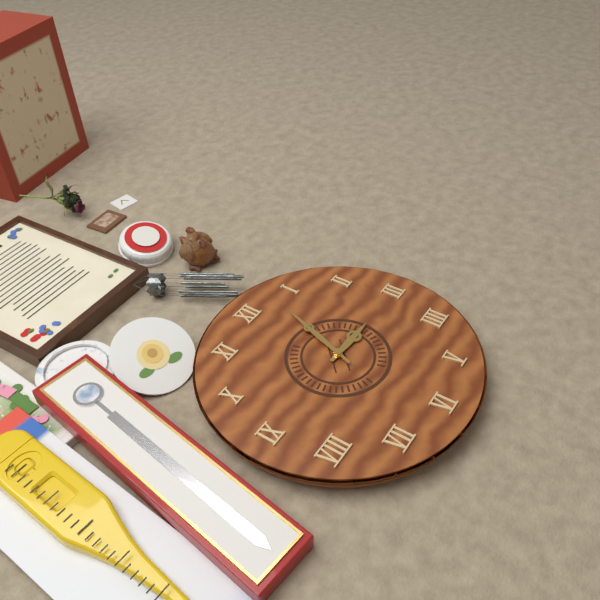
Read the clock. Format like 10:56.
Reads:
3:03
